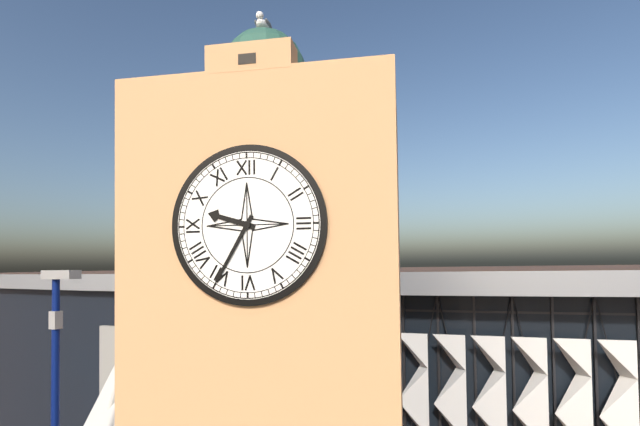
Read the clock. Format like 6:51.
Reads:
9:35
